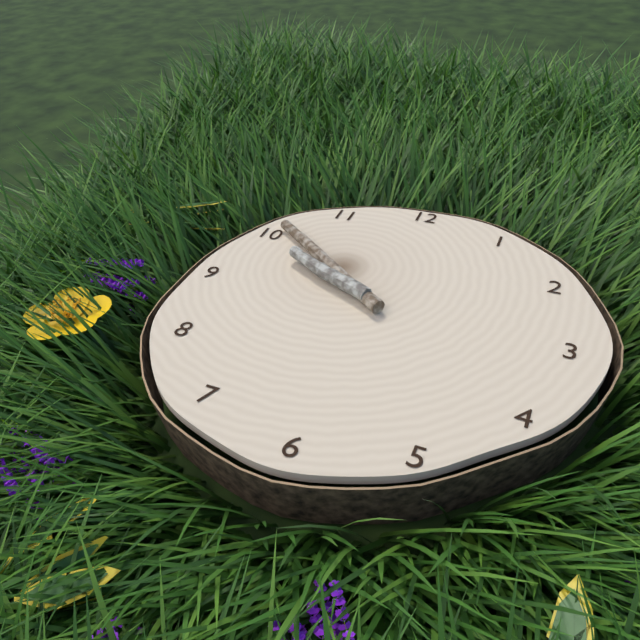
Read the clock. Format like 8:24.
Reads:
9:51
